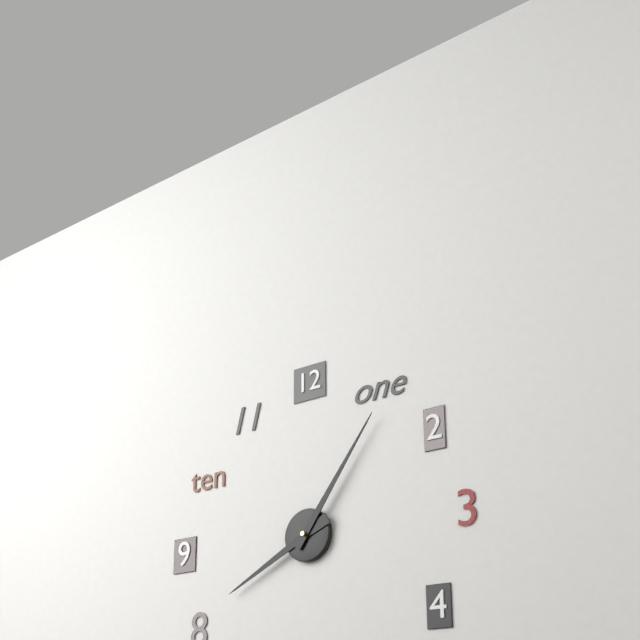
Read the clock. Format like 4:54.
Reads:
8:06
